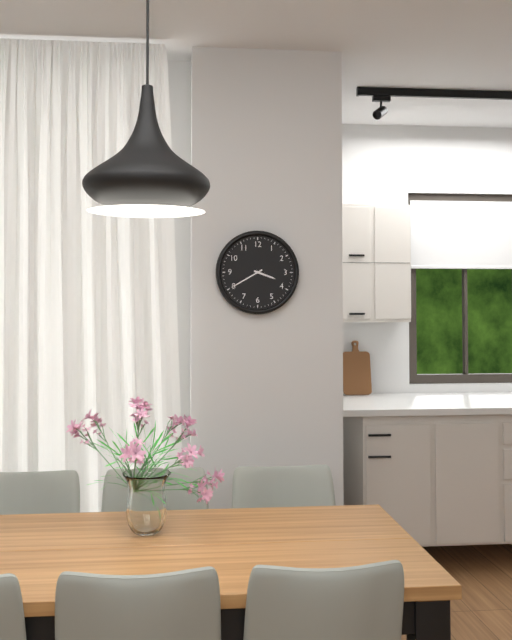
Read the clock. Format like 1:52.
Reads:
3:40
